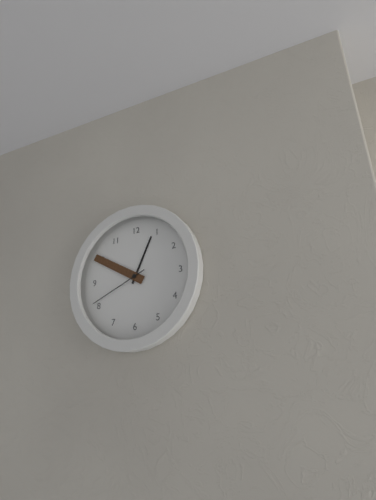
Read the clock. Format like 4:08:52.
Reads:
12:50:41
